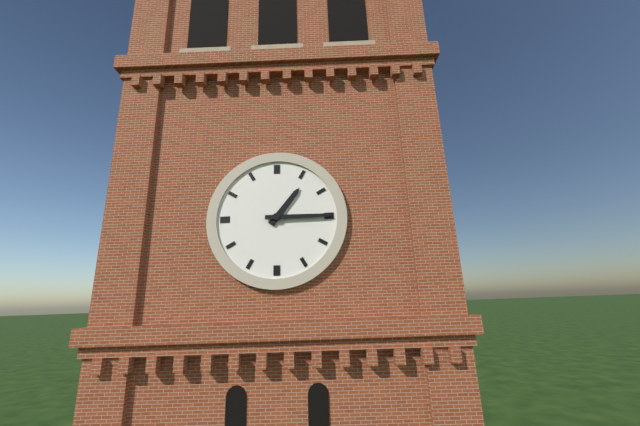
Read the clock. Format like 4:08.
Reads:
1:15
